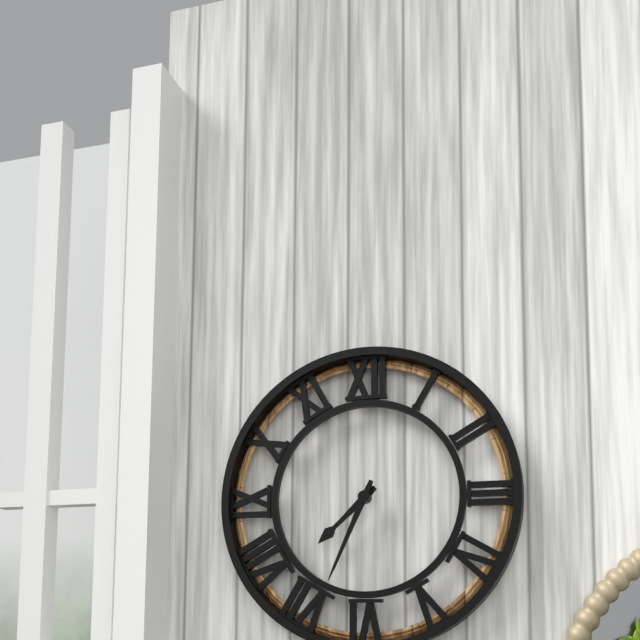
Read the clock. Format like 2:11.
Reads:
7:34
